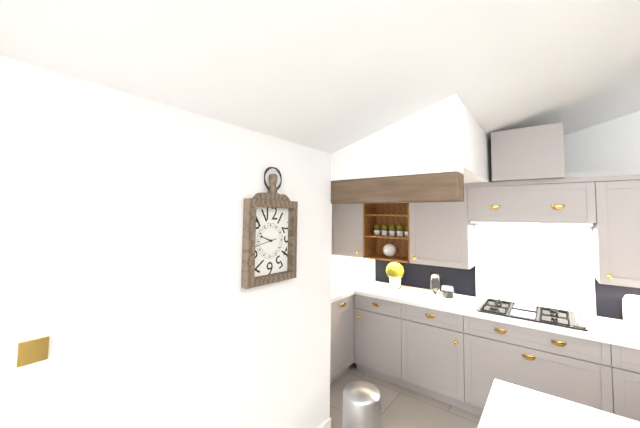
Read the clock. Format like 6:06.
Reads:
9:43
